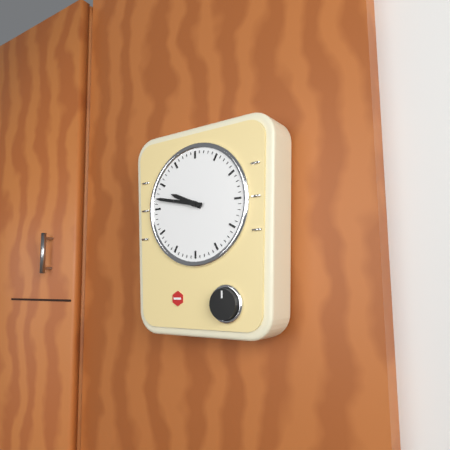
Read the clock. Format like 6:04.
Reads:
9:47
